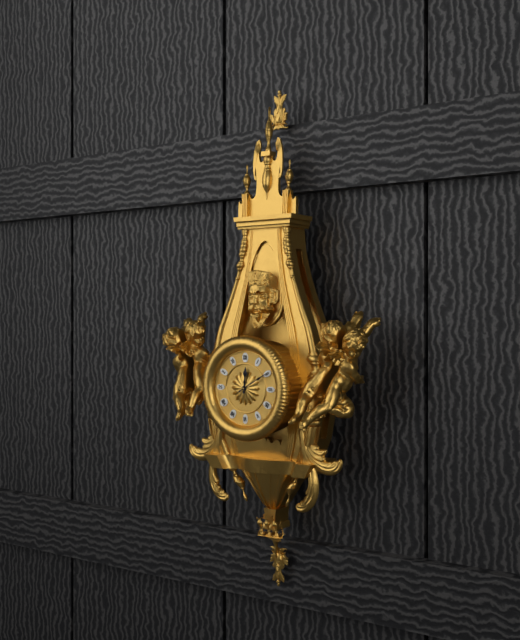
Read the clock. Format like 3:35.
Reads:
12:10
